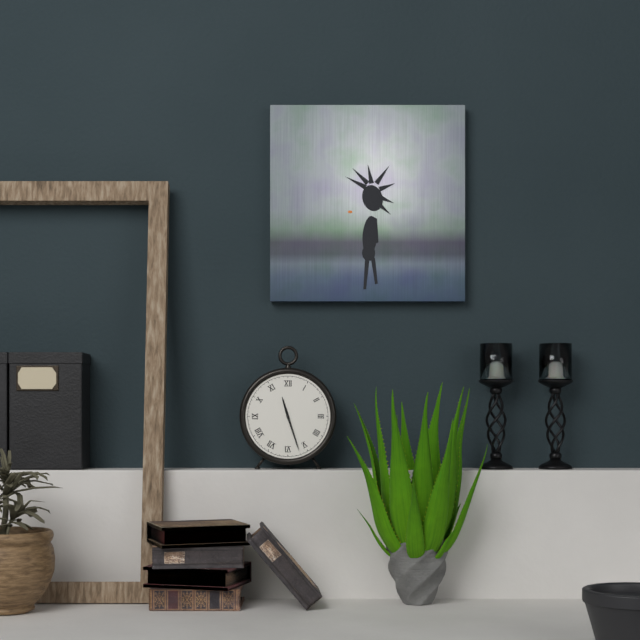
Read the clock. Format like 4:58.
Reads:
11:27
